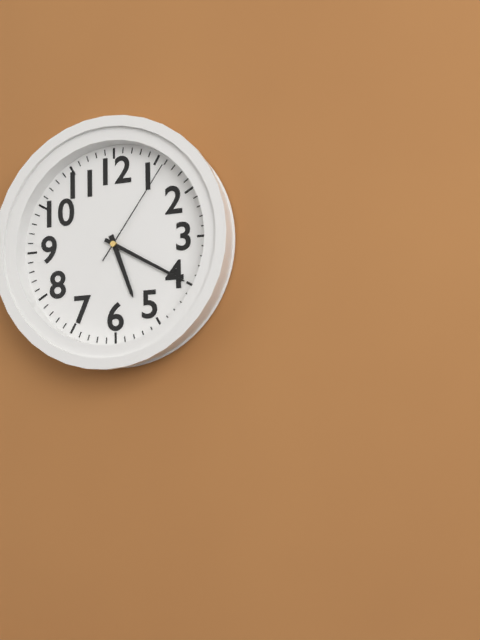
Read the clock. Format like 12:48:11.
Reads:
5:20:06
